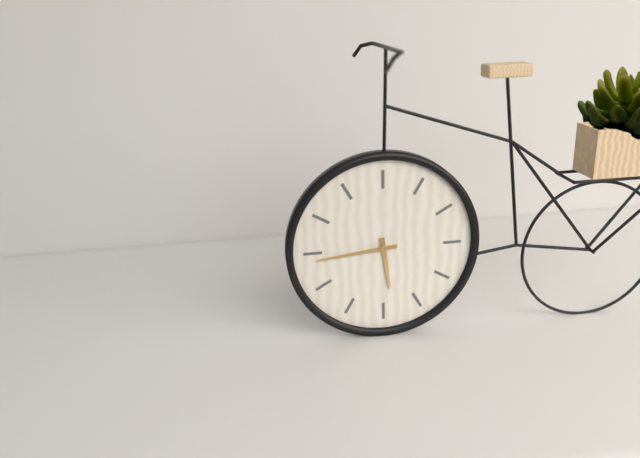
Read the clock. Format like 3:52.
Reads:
5:44
